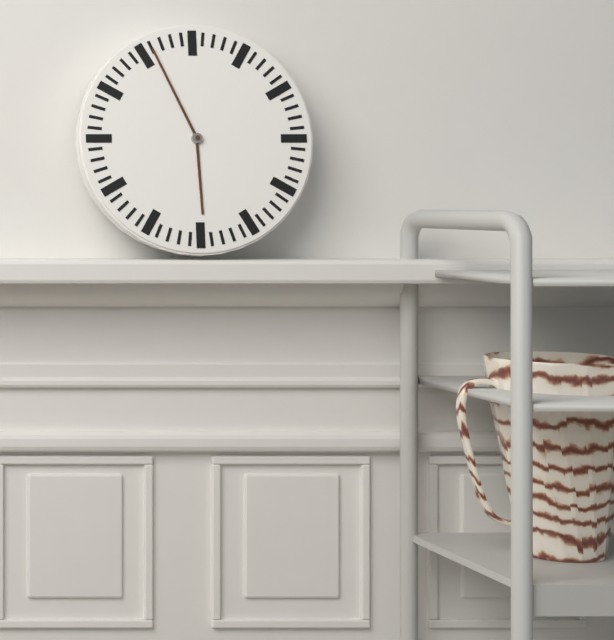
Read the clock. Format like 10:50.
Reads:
5:56
